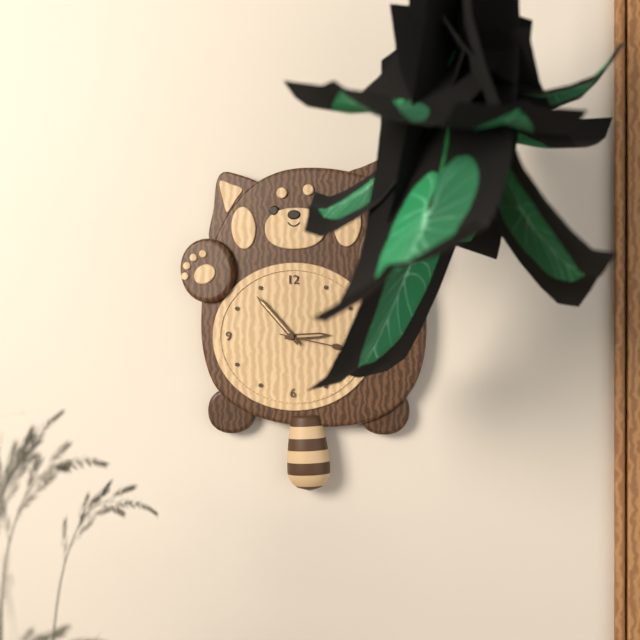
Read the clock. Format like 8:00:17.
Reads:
2:53:17
